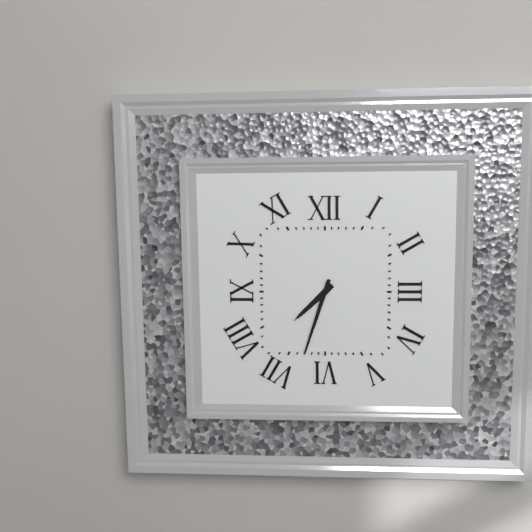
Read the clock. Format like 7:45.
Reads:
7:33
